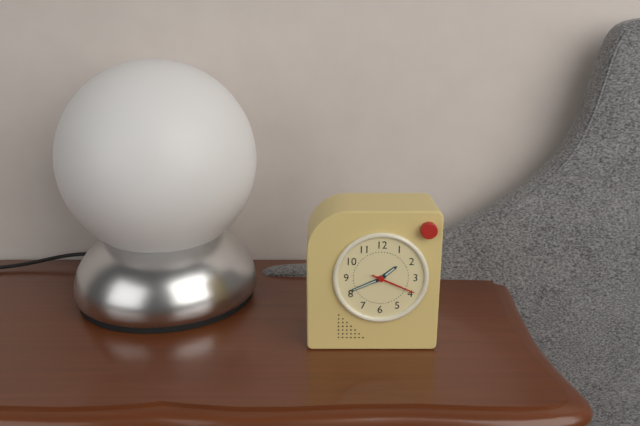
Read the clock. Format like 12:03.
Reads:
1:41
